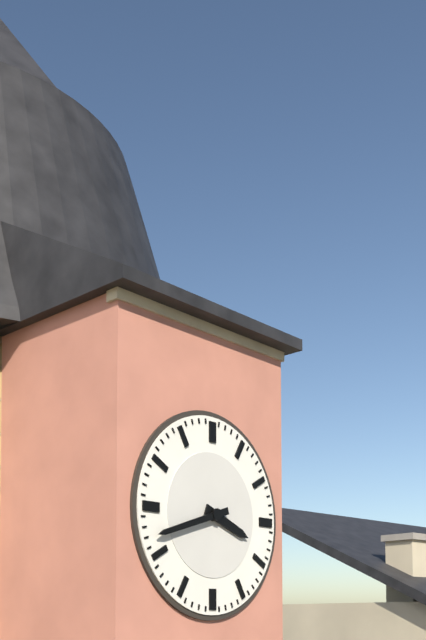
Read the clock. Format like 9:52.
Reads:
3:42
